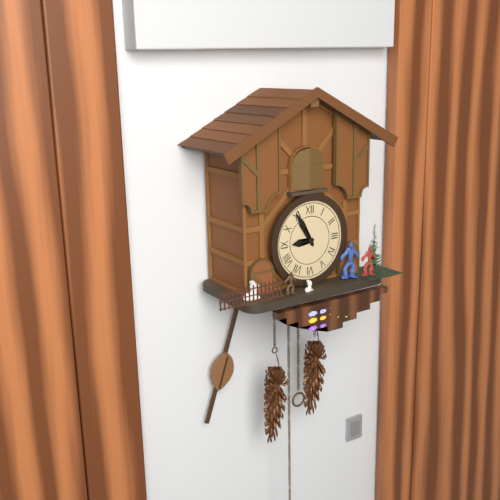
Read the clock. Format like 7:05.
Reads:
8:55
